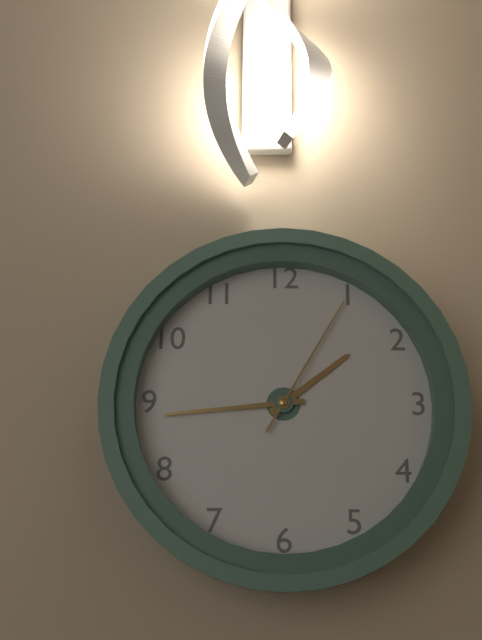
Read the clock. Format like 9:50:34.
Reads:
1:44:05
